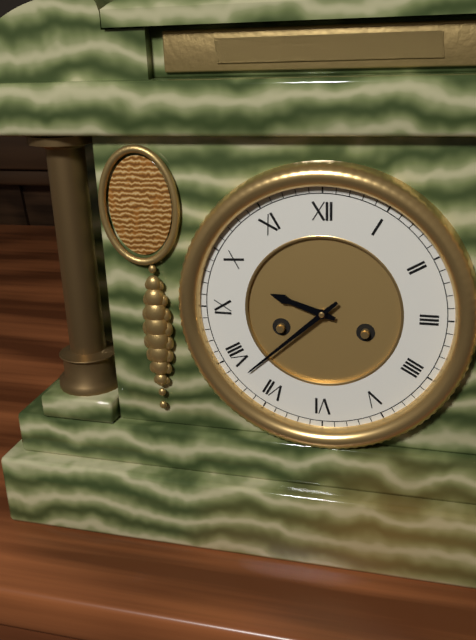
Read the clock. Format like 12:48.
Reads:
9:38
